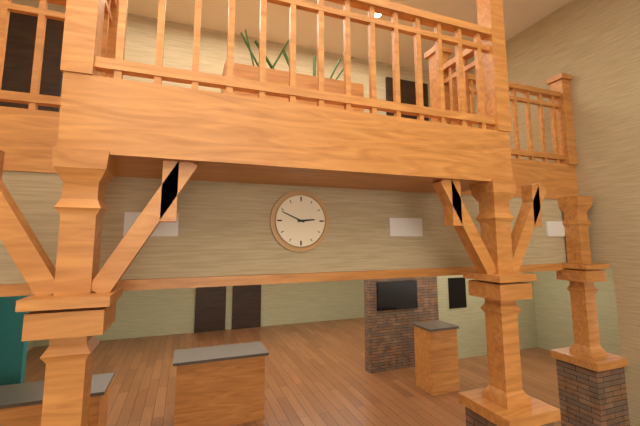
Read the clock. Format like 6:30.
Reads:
2:49
